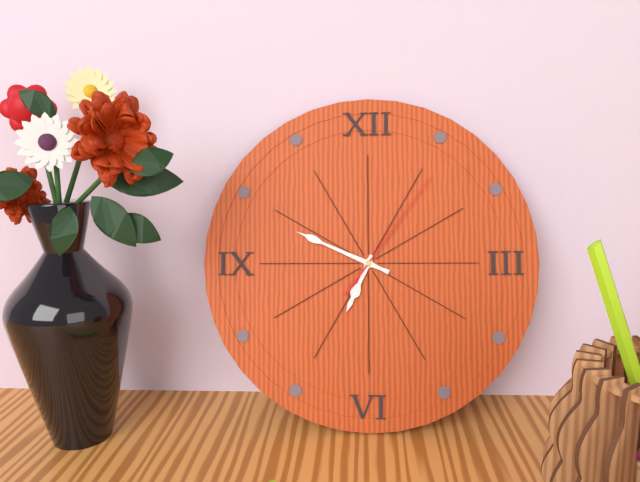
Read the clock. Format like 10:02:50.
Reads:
6:49:06
